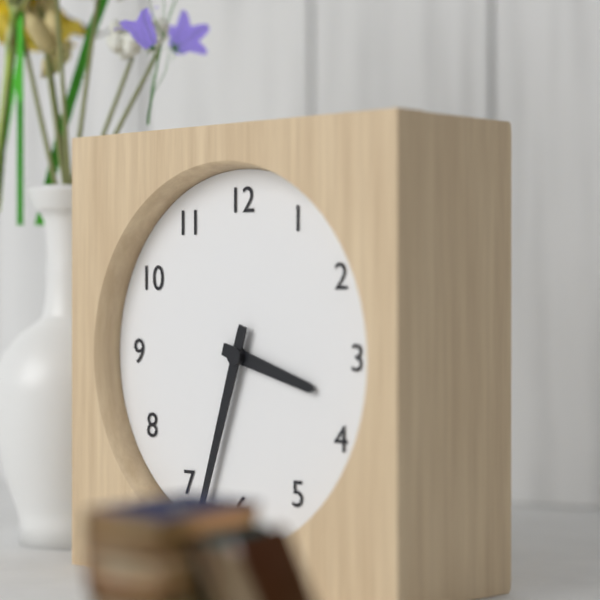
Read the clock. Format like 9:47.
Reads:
3:33
